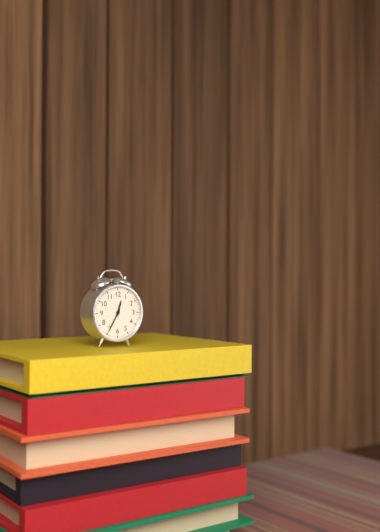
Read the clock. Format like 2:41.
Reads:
12:35
